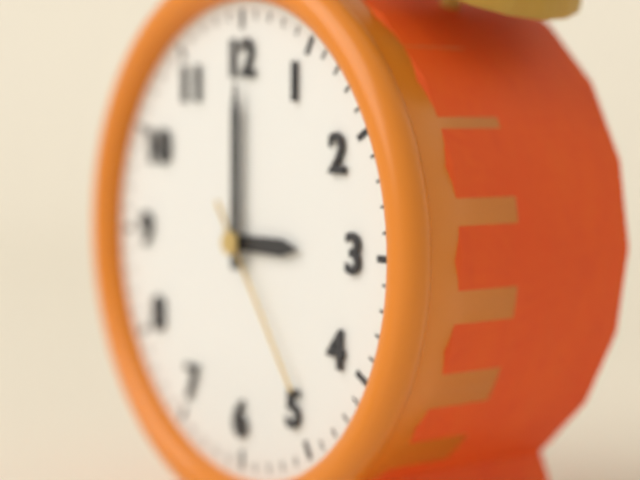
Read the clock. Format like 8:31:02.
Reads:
3:00:24
